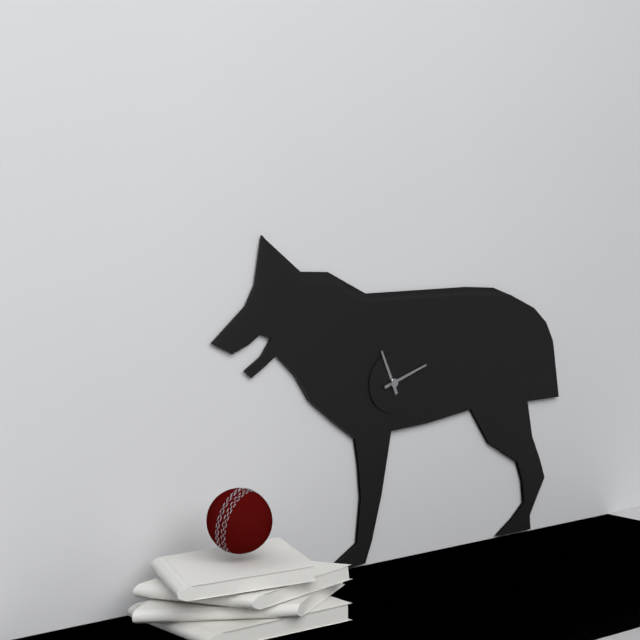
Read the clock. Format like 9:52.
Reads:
11:12
